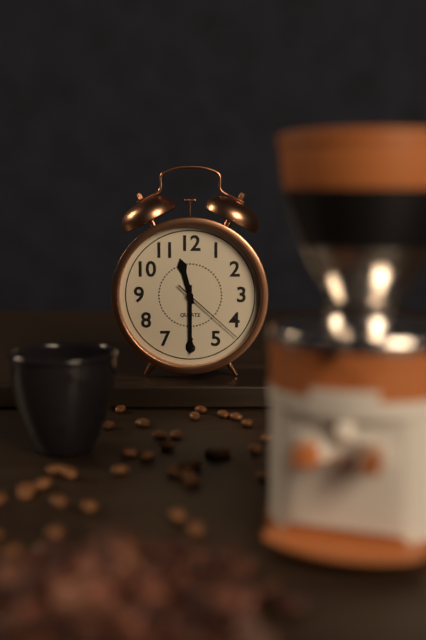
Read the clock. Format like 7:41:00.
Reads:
11:30:22
